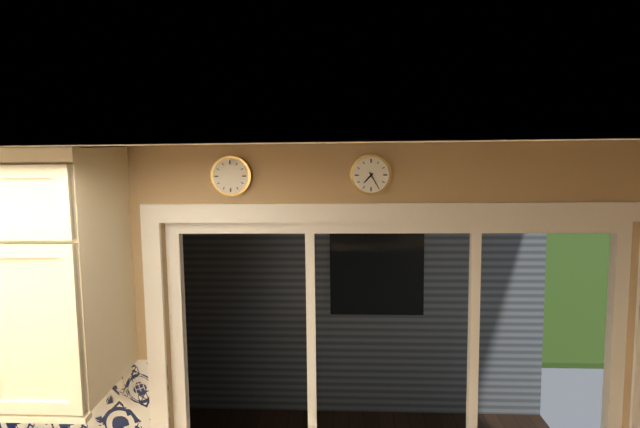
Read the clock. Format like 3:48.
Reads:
7:25
